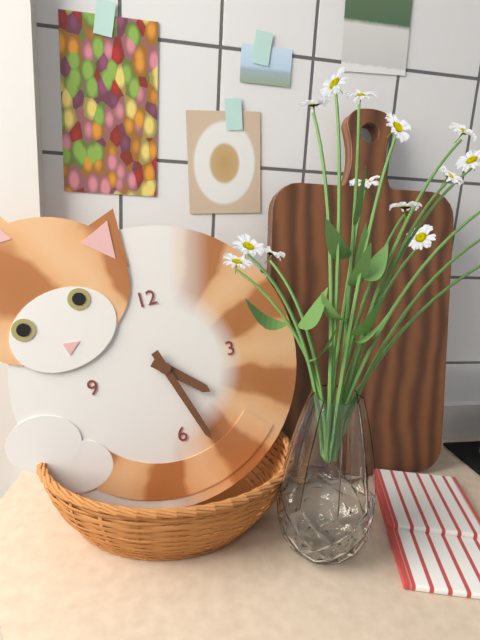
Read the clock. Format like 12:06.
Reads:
4:27
